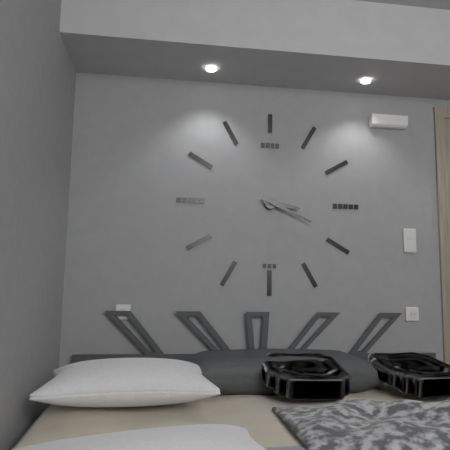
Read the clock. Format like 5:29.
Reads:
3:19
